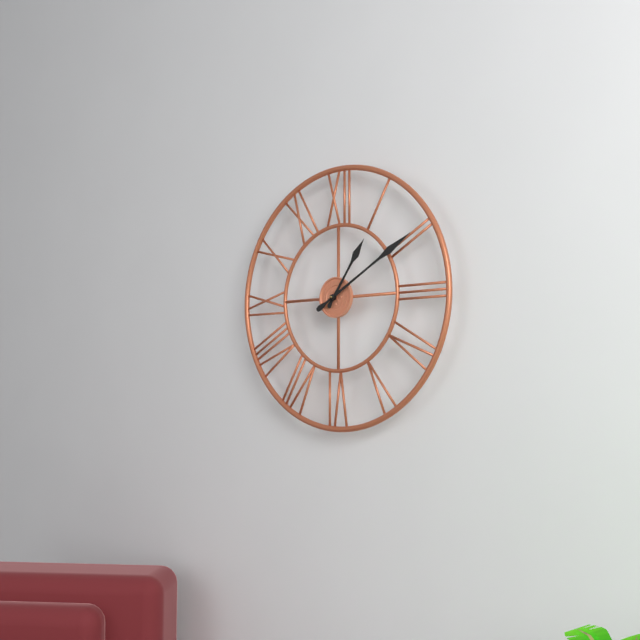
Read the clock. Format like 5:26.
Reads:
1:10
